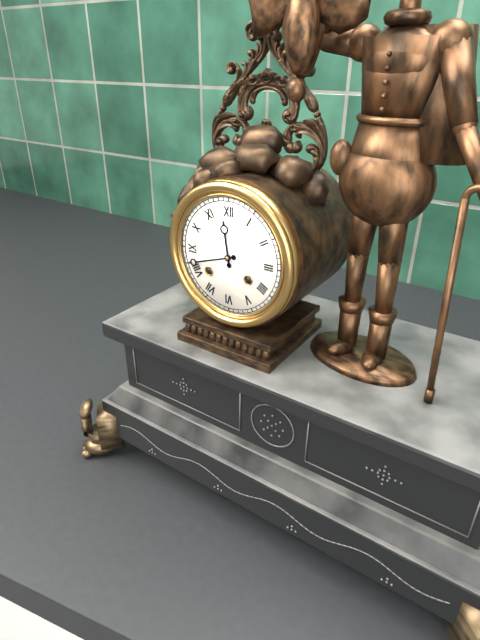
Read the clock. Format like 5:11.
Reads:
11:42
